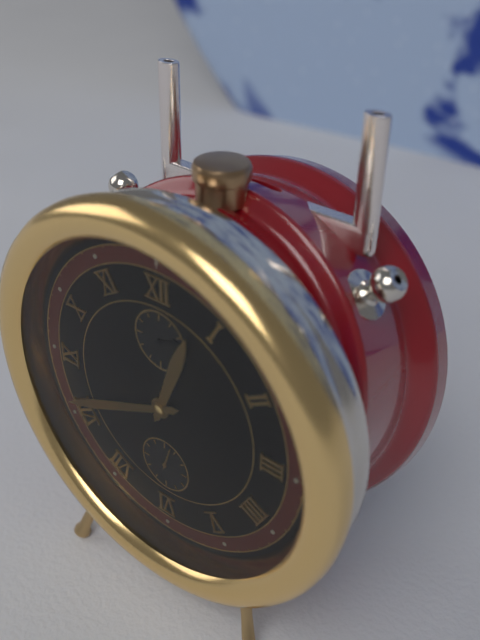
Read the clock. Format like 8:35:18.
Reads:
12:41:03
